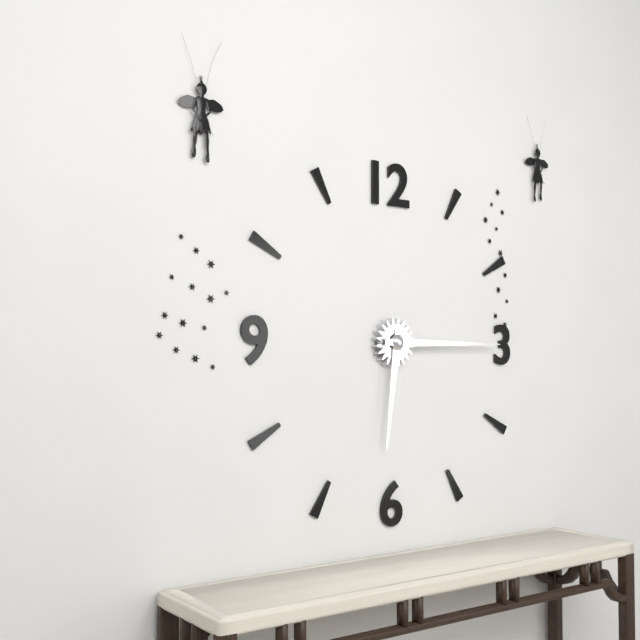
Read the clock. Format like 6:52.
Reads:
6:15
